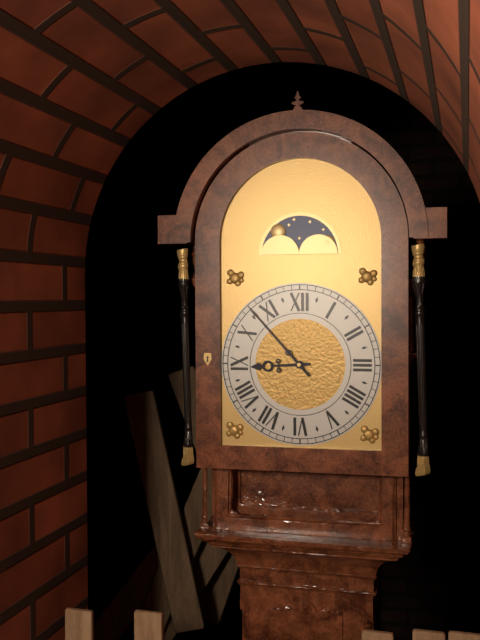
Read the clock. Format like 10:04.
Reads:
8:53
